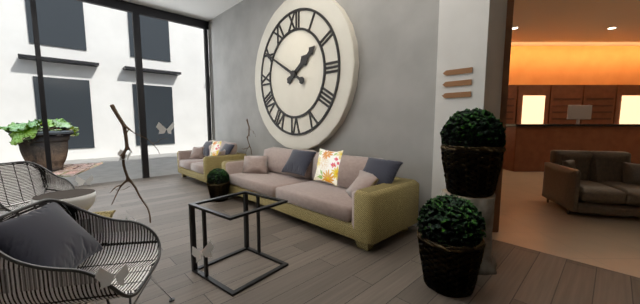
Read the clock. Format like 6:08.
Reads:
1:50
